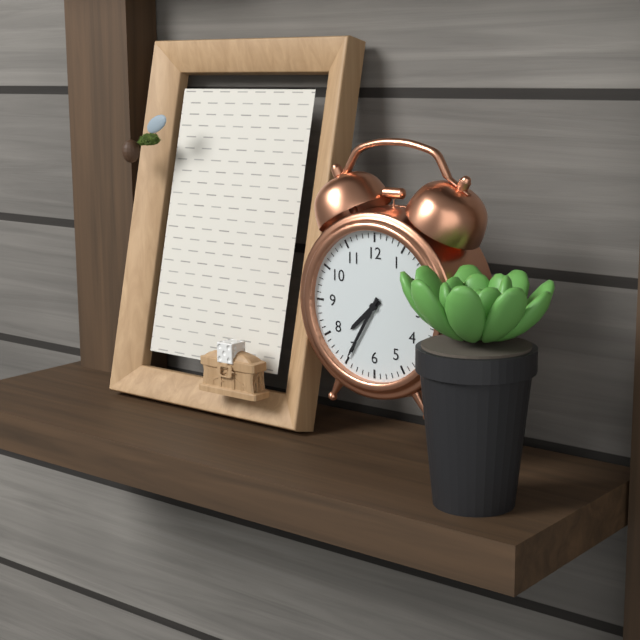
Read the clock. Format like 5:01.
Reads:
7:35
